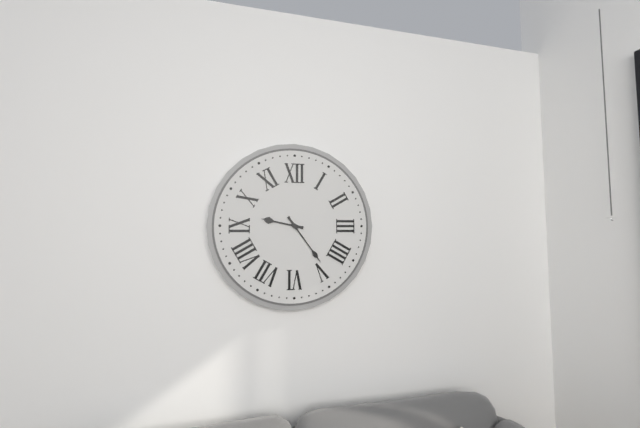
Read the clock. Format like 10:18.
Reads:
9:24
